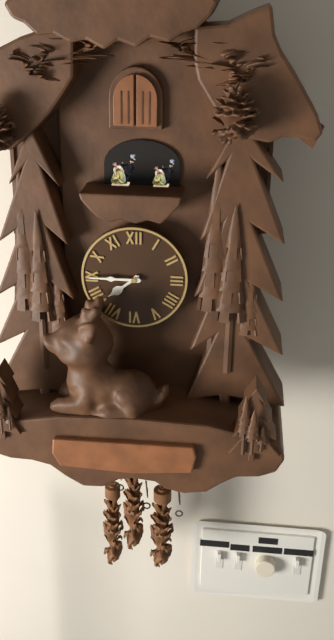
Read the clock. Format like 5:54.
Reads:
7:45
